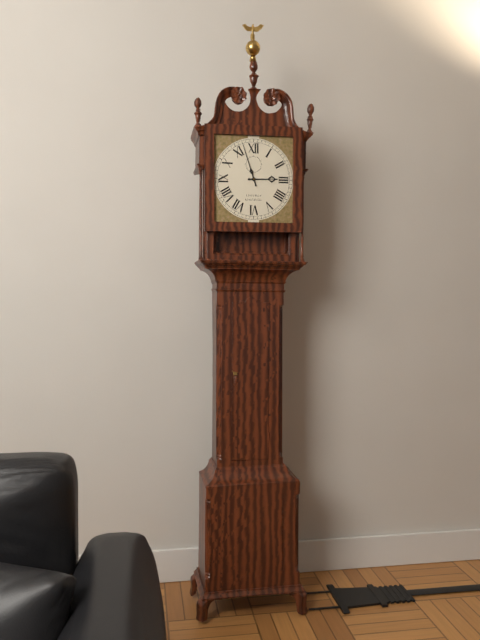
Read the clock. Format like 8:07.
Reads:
2:57
